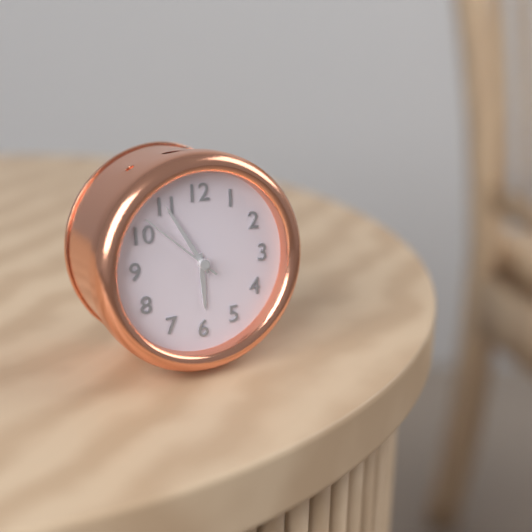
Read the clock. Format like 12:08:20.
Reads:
5:55:52
